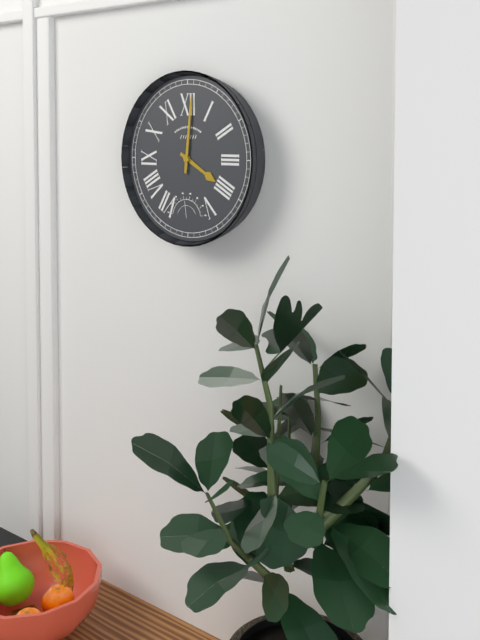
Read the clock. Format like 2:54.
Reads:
4:01
